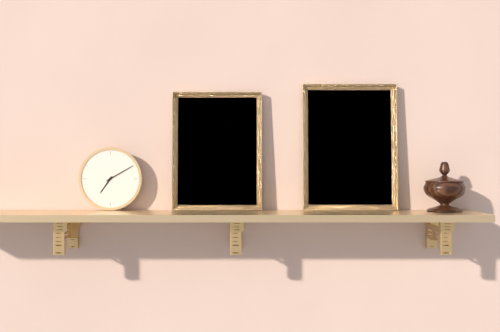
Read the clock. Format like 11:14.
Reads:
7:10
